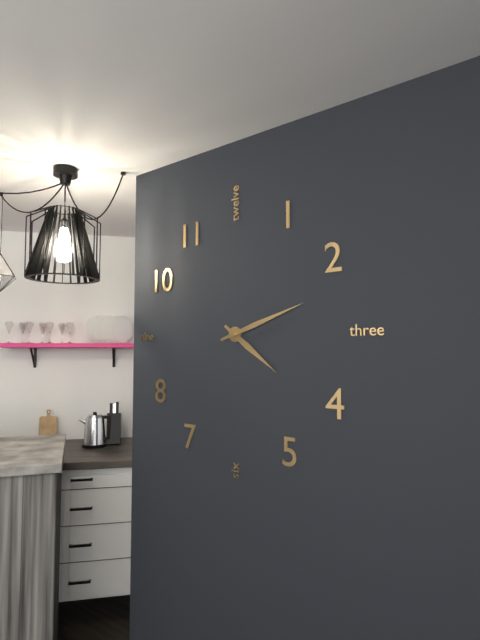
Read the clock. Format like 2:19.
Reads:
4:12
